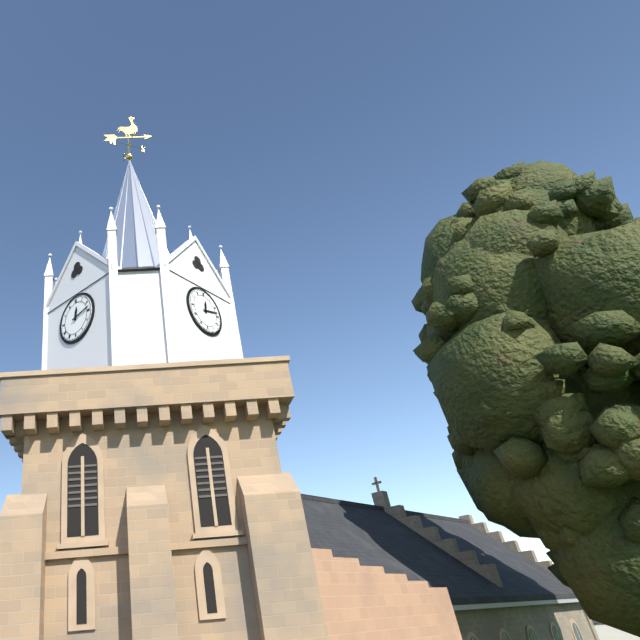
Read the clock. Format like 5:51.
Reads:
12:13
